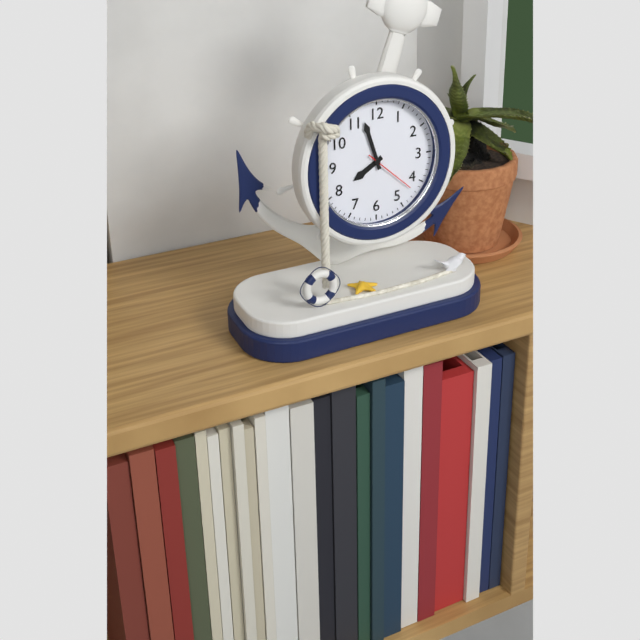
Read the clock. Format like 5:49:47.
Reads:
7:57:22
